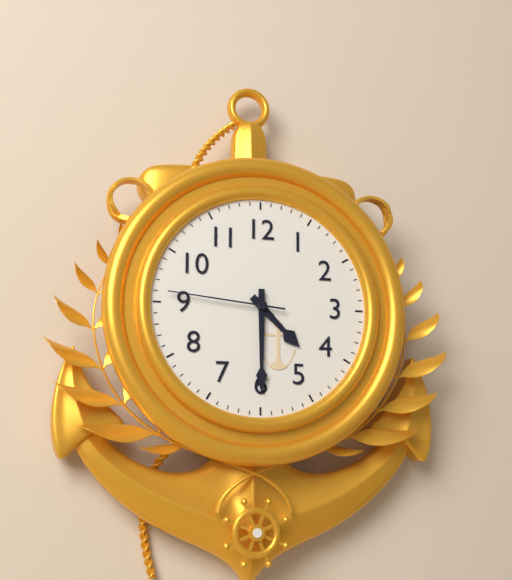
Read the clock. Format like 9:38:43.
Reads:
4:30:46
